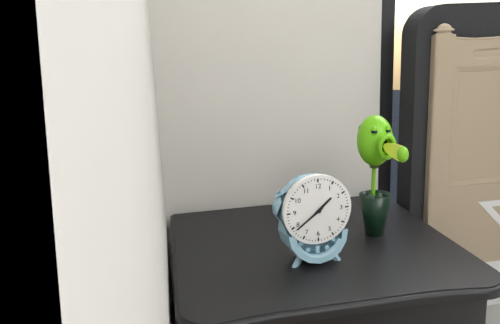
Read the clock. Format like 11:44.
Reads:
1:39
